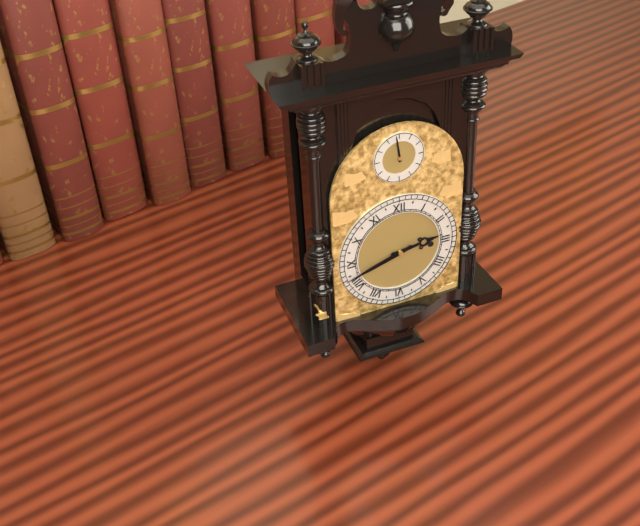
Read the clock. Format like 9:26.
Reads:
2:42
